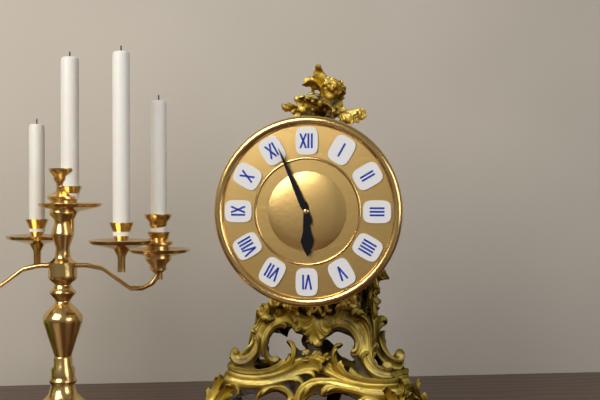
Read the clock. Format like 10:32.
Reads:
5:56
